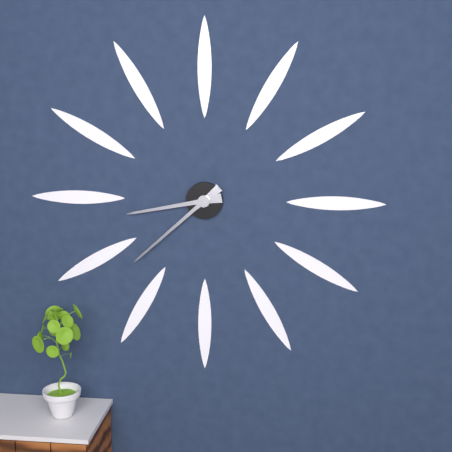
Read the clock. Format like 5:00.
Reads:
8:38
